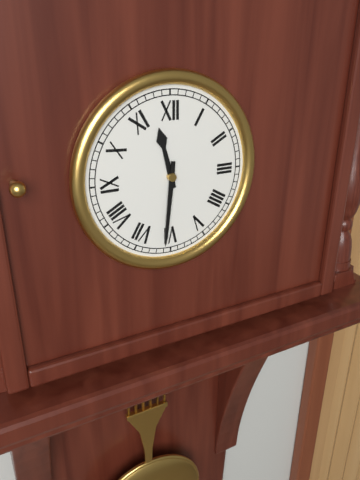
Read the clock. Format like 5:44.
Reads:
11:31
